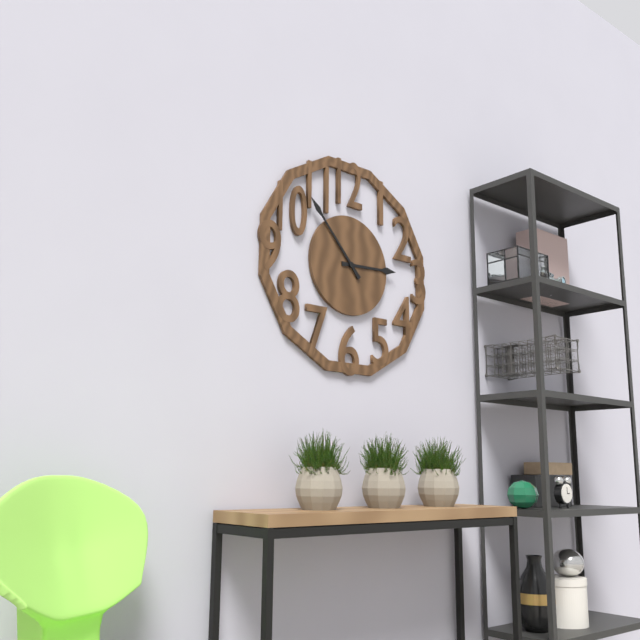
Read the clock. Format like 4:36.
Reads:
2:53
